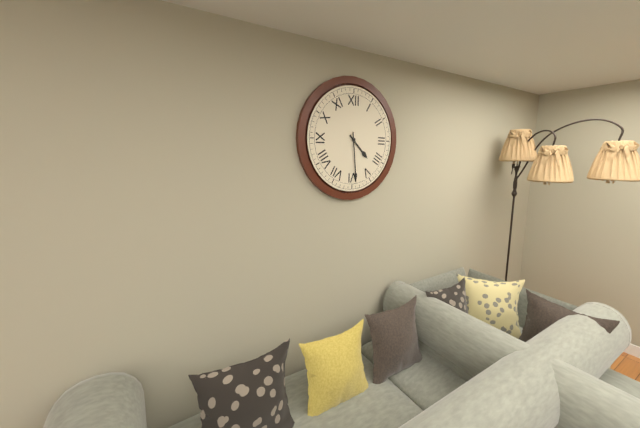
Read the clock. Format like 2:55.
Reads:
4:29
